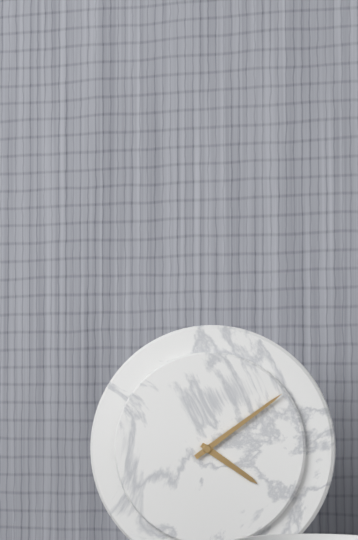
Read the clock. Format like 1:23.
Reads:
4:09
